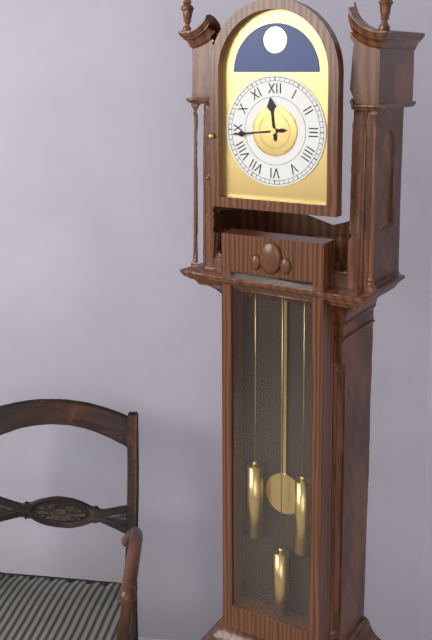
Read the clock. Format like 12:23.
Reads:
11:44
